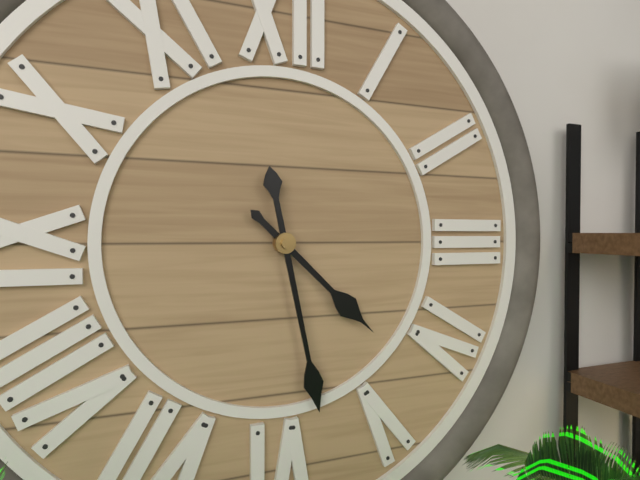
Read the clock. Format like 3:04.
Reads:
4:28
